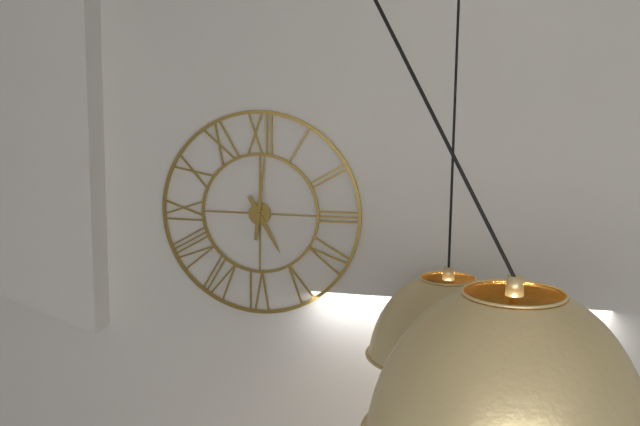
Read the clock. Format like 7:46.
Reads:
5:01
